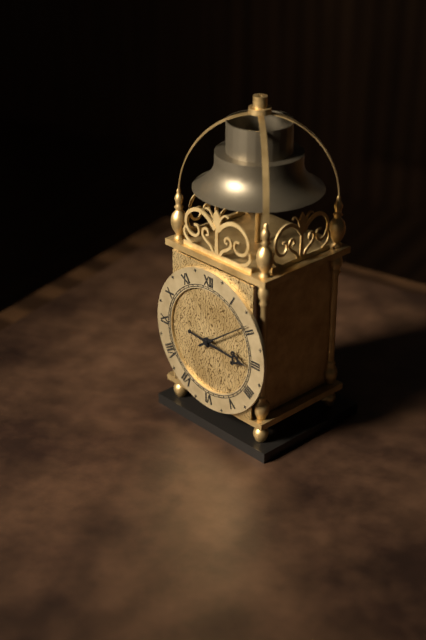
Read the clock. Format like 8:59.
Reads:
3:09
